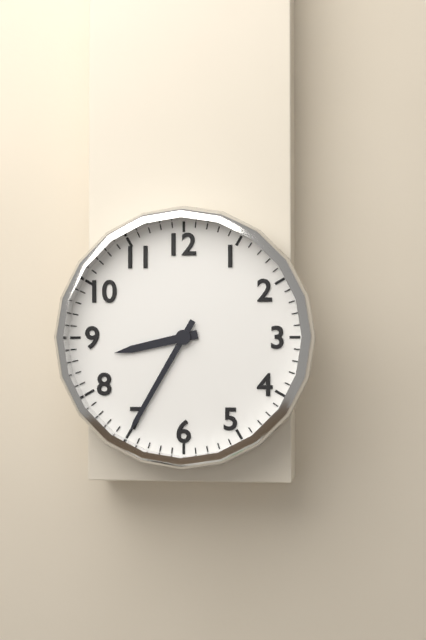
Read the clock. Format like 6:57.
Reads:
8:35
